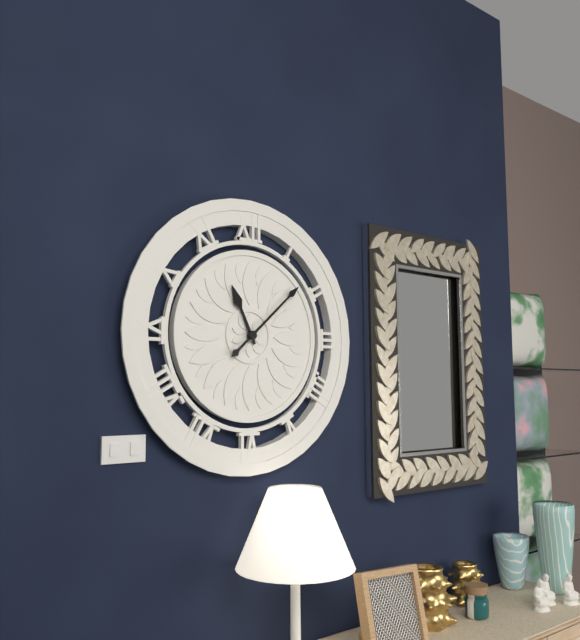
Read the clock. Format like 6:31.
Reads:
11:08
